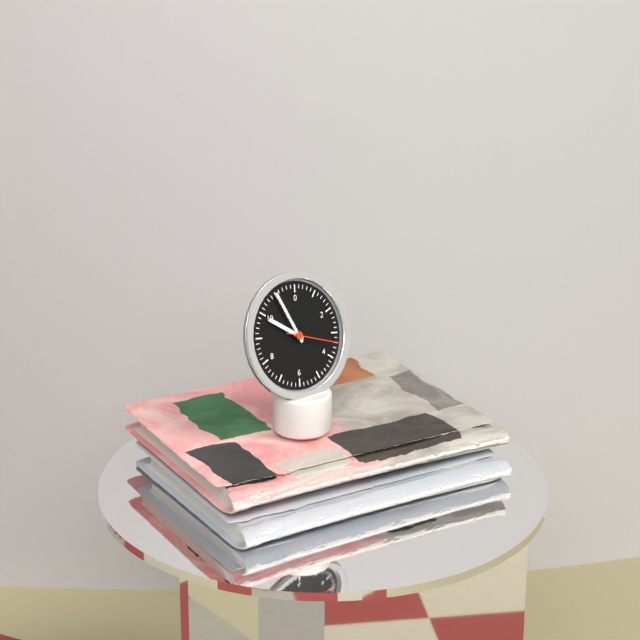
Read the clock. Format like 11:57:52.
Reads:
9:55:17
